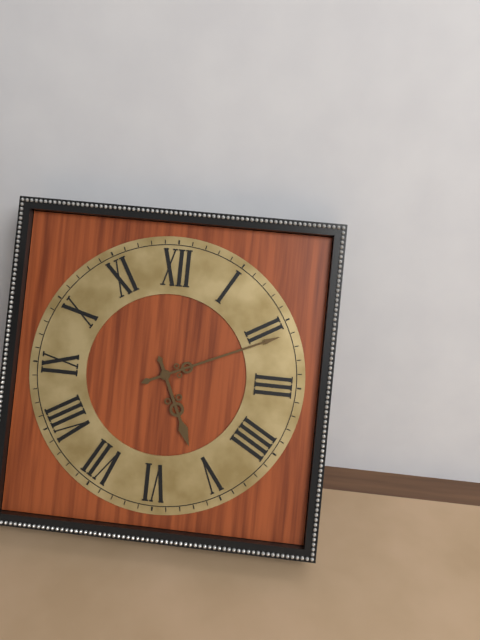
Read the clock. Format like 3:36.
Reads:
5:11
